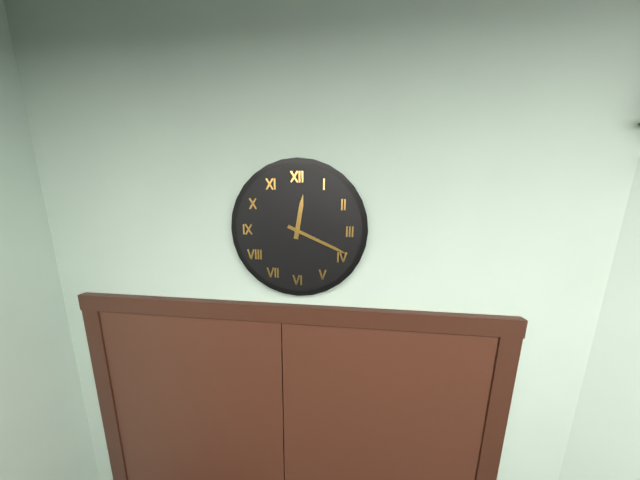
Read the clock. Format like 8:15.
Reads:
12:19
